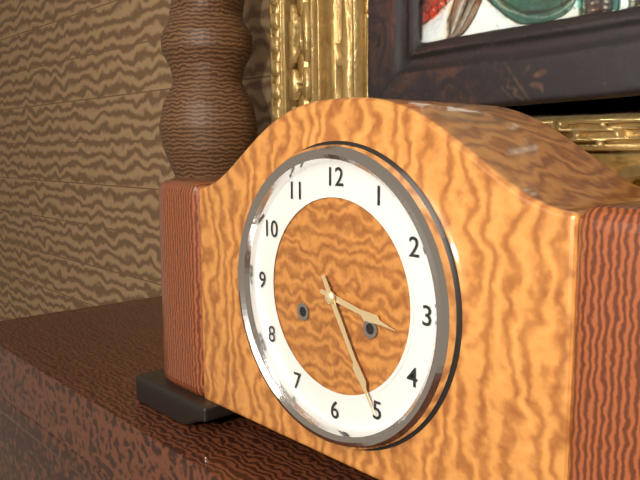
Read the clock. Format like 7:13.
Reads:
3:25
